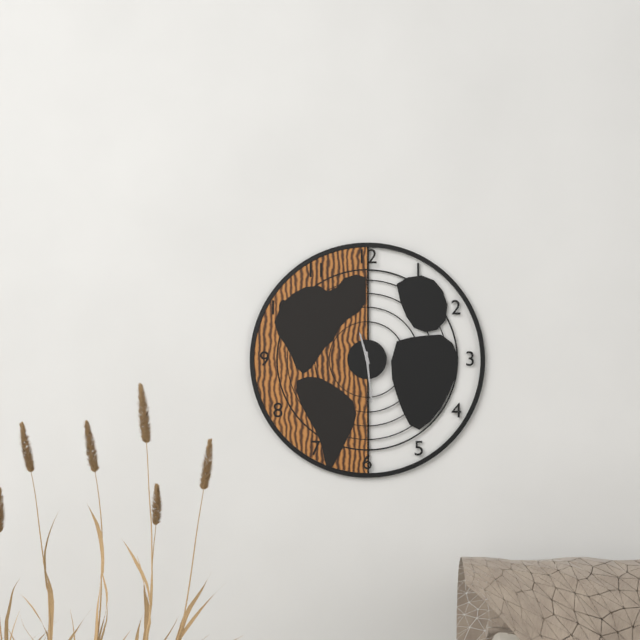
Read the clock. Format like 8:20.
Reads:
11:29
